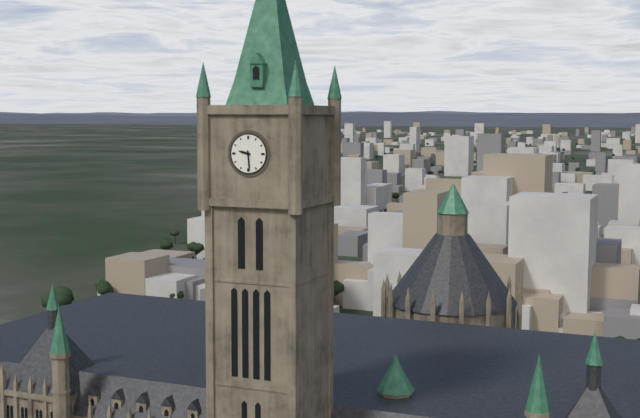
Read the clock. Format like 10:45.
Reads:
9:29
